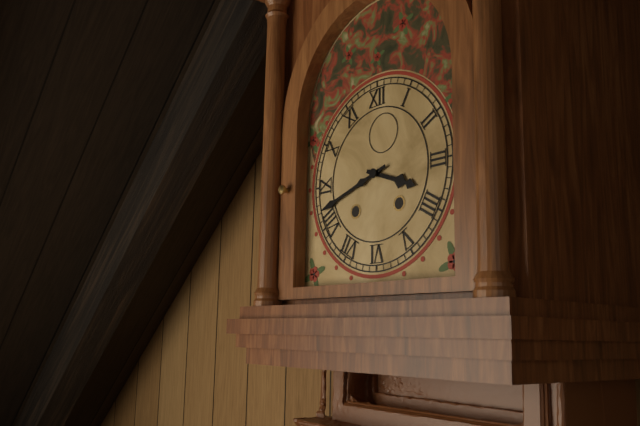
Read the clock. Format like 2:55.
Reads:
3:42
